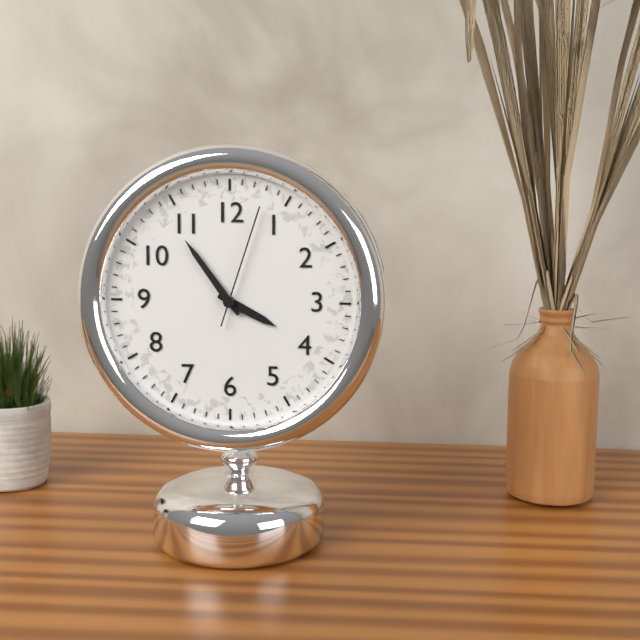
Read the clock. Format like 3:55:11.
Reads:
3:54:03
